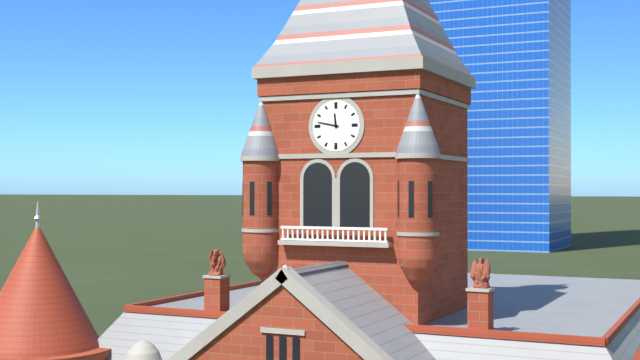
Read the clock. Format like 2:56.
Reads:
11:47
